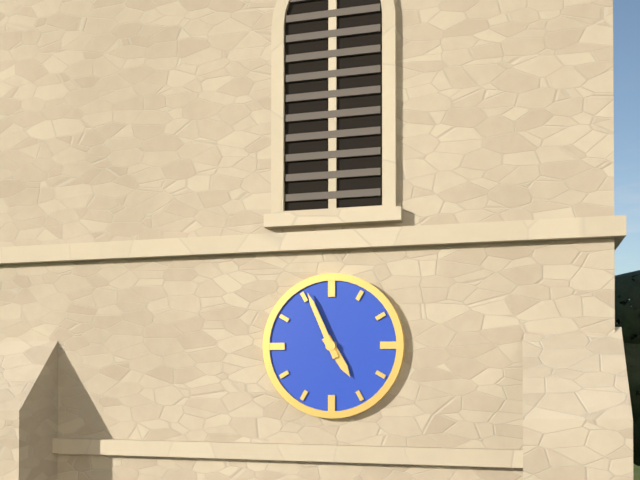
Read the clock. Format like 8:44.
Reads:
4:56
